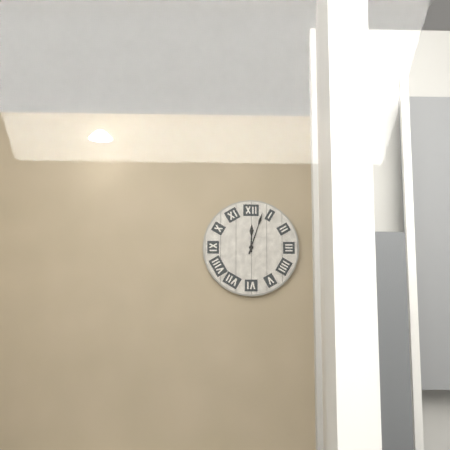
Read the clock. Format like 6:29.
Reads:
12:03
